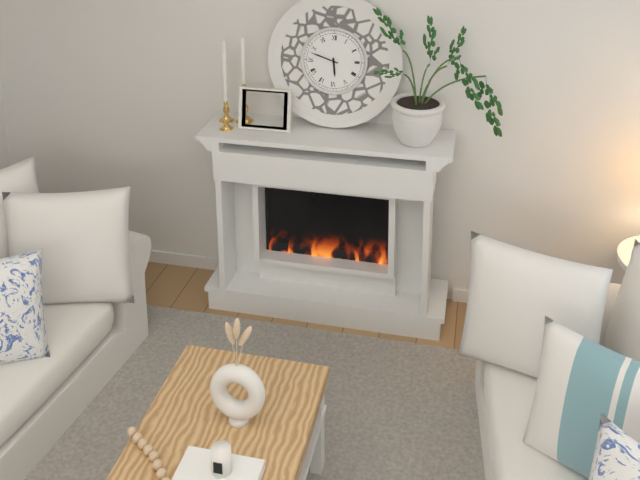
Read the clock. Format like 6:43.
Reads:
5:48
